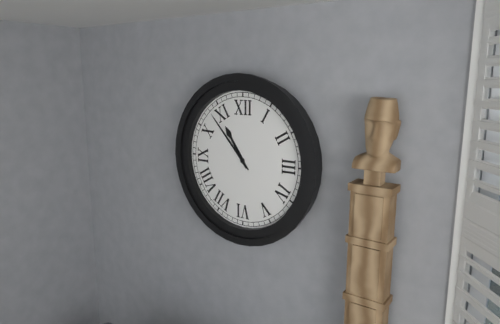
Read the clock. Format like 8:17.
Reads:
10:53
